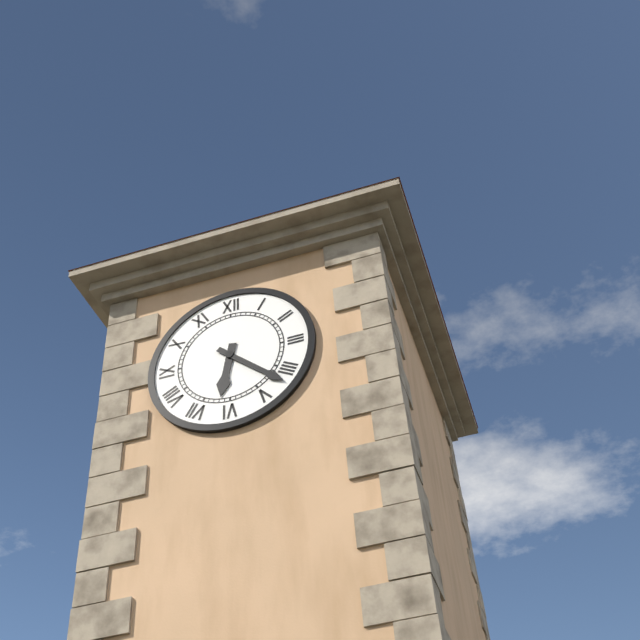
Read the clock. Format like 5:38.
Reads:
6:22
